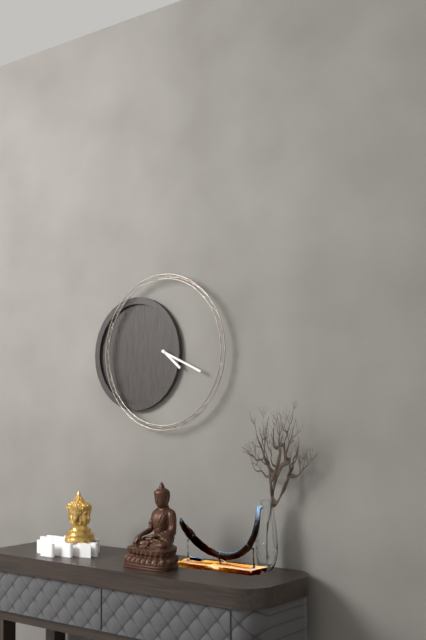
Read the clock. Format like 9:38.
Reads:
4:19
